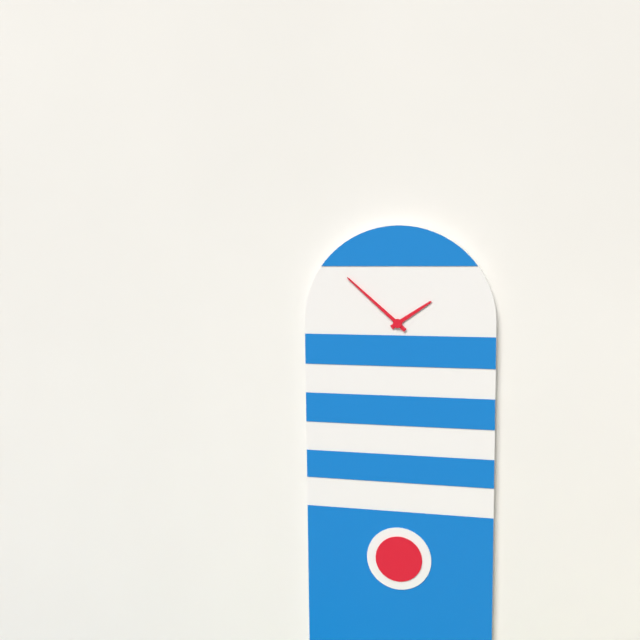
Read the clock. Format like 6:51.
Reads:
1:52
